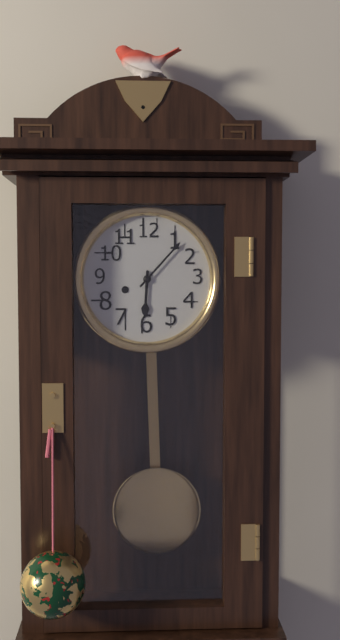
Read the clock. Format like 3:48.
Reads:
6:07
